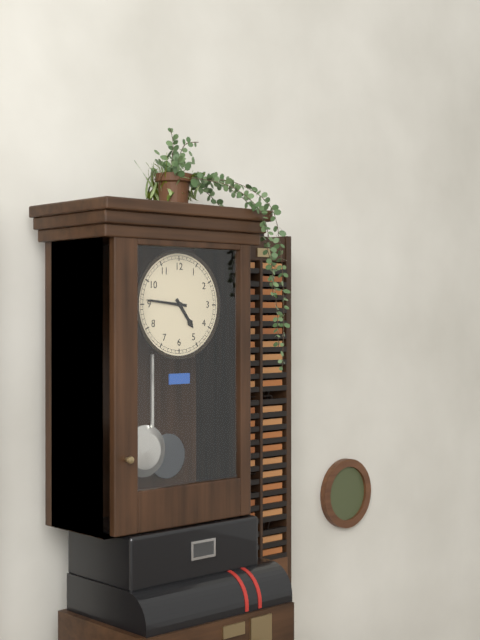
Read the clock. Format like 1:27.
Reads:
4:46
